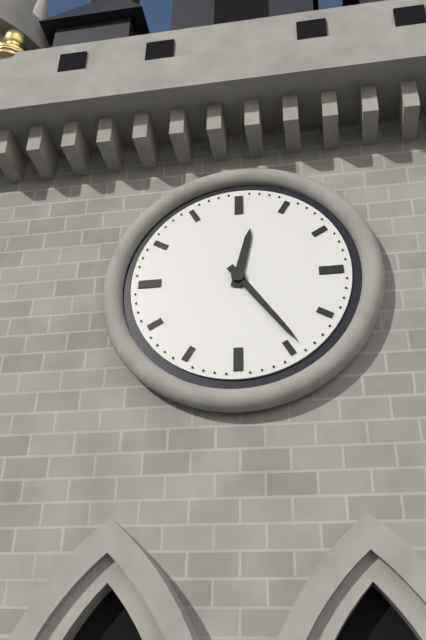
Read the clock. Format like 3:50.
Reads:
12:24
